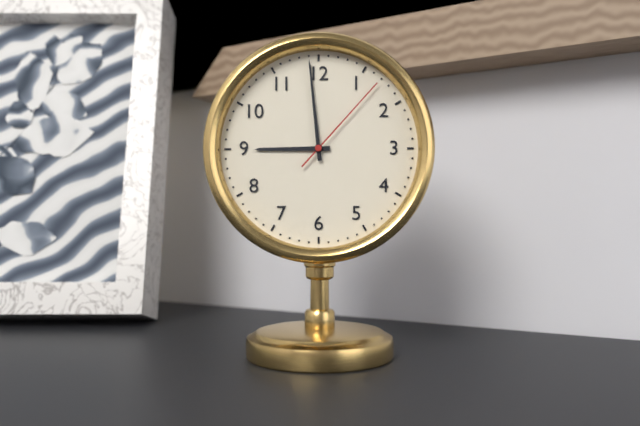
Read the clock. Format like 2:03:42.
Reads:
8:59:07
